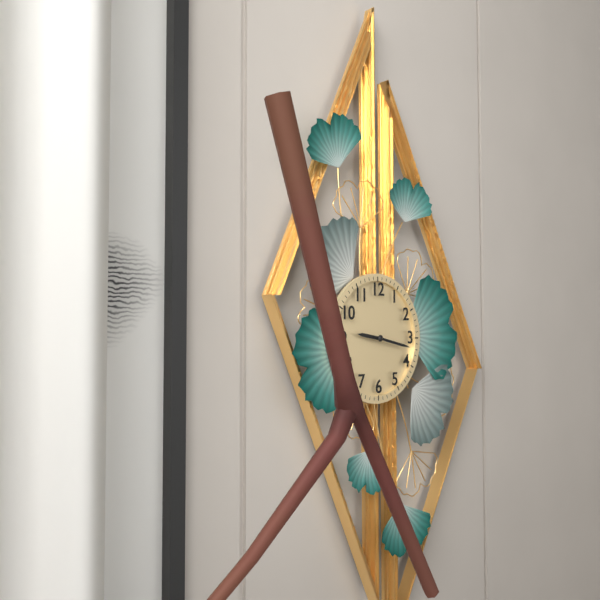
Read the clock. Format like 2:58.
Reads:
9:17
